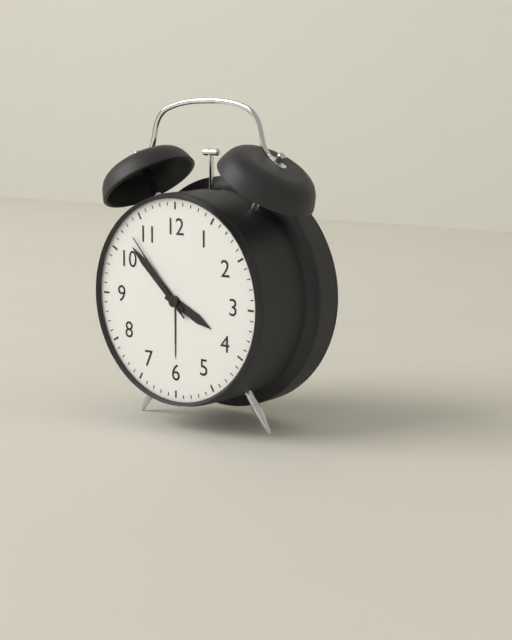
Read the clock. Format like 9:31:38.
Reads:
3:52:53
